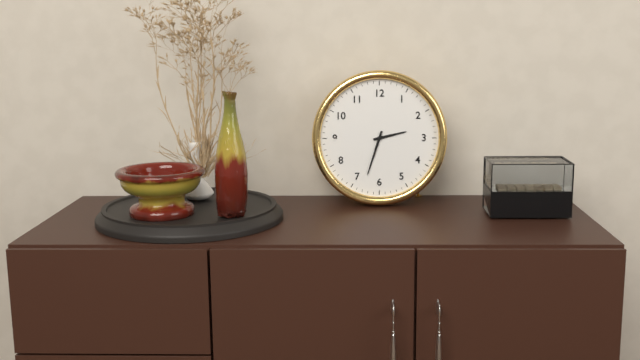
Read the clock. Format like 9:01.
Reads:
2:33
